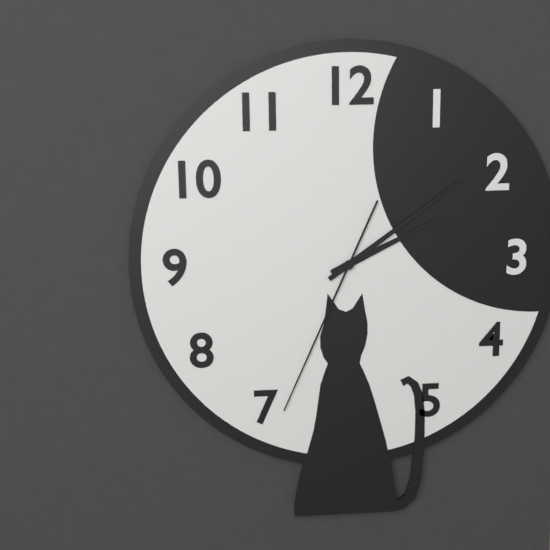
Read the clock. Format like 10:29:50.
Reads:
2:09:34
